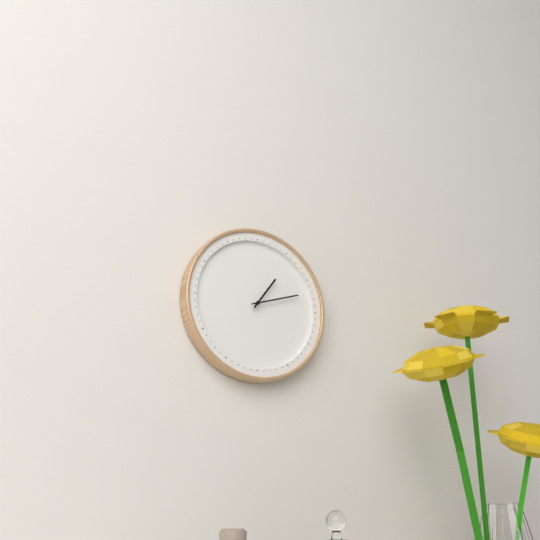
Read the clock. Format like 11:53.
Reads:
1:12
